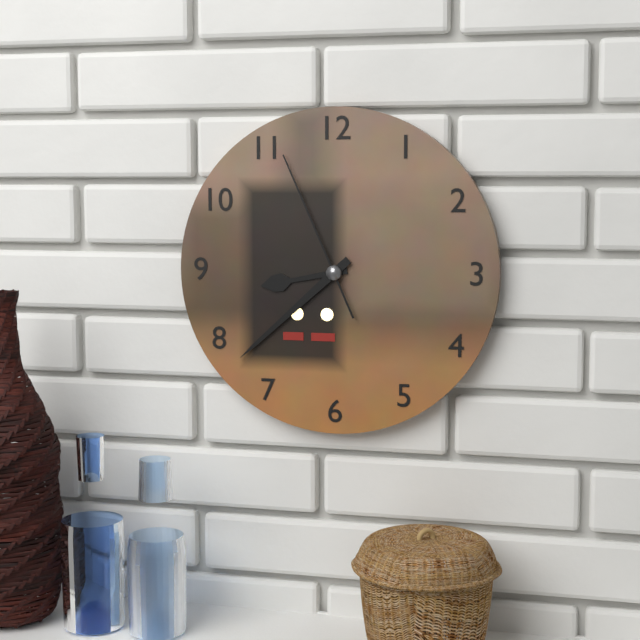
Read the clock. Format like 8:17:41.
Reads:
8:38:56
